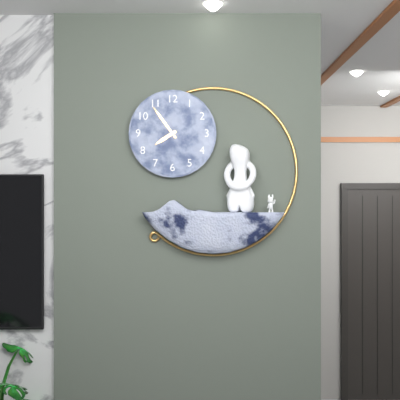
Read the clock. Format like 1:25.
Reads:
7:54
